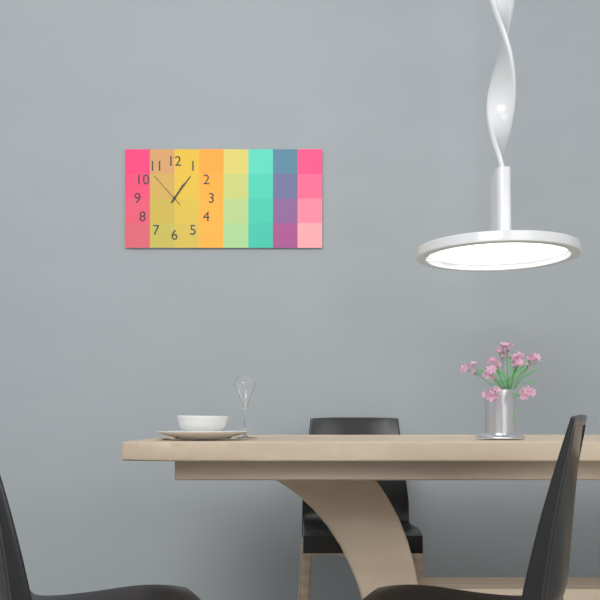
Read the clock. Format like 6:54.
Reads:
1:06
